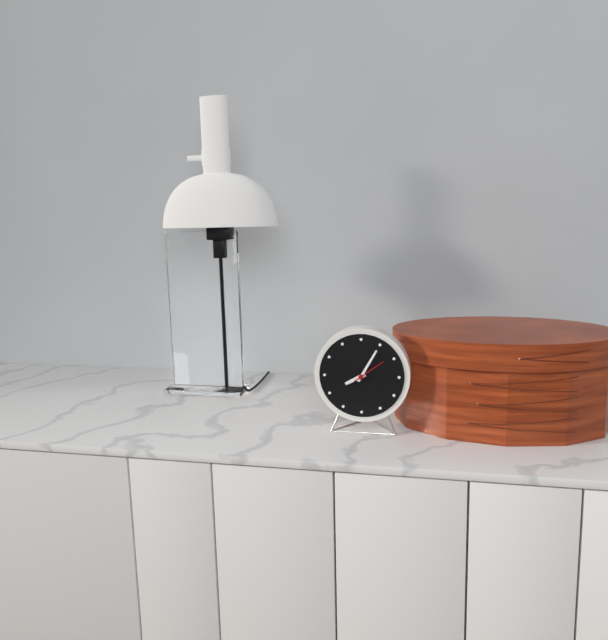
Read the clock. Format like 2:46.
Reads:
8:05
